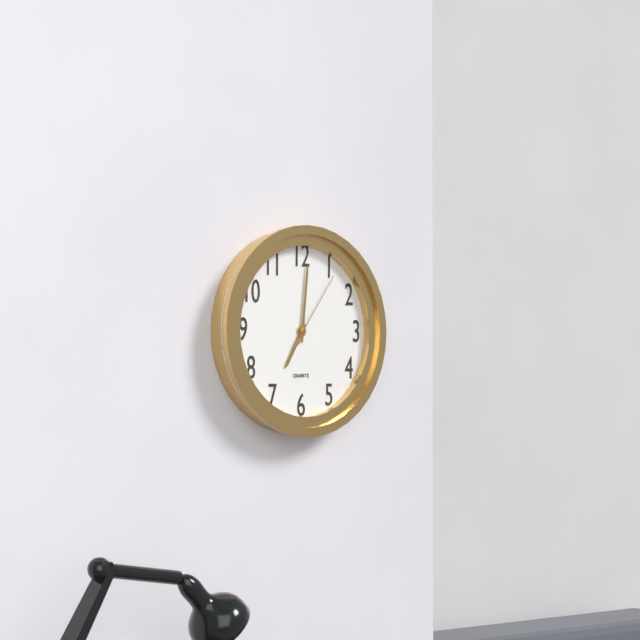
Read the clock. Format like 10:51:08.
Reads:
7:01:06
